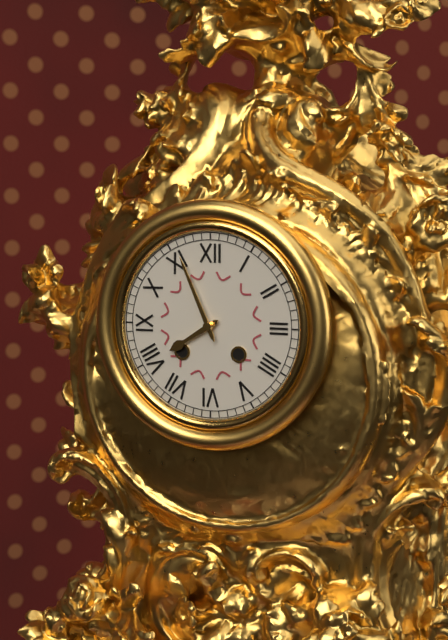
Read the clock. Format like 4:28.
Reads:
7:56
